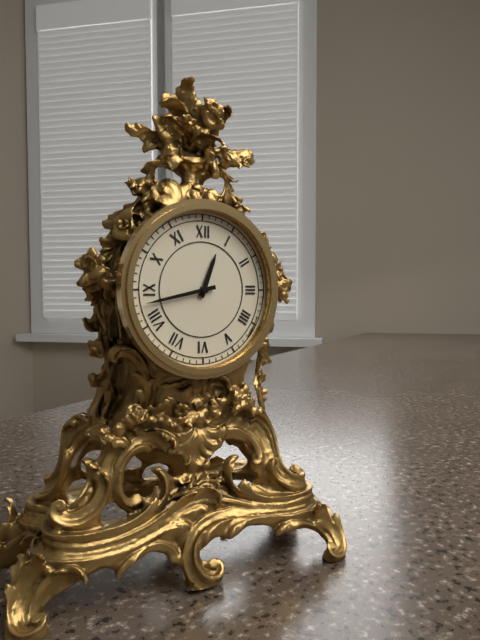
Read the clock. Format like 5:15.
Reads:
12:43
